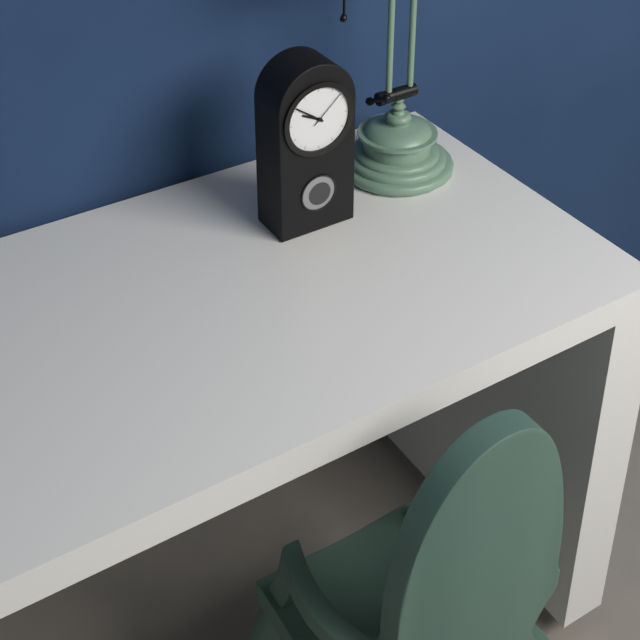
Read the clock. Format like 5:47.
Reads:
9:51
